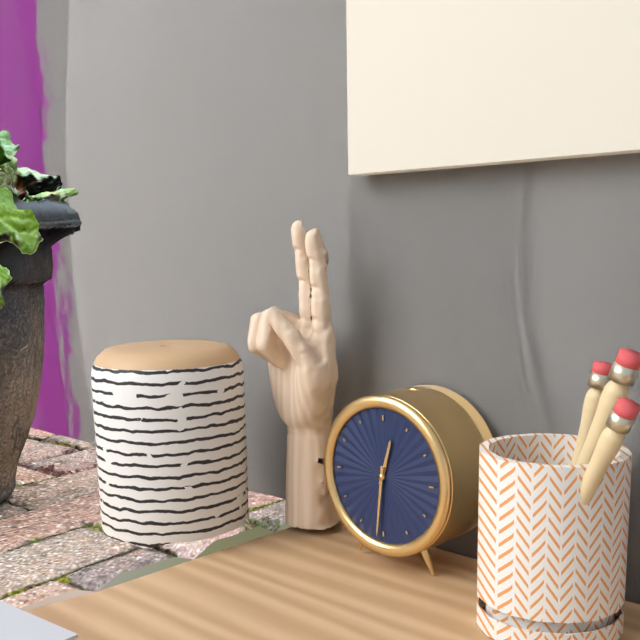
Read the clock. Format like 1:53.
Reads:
12:31
